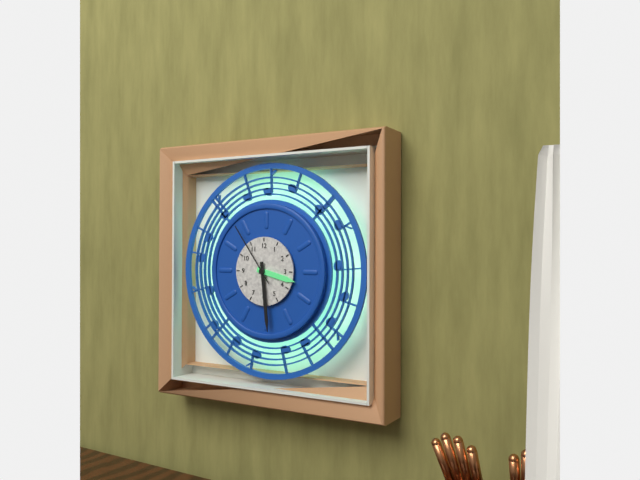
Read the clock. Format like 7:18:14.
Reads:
3:29:54
